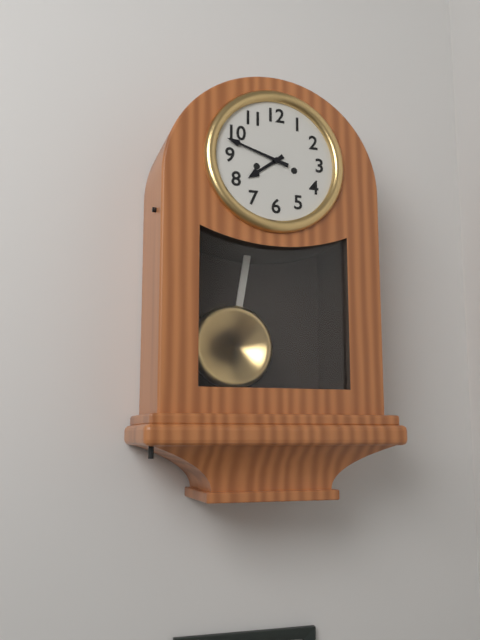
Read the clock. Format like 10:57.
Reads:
7:48
